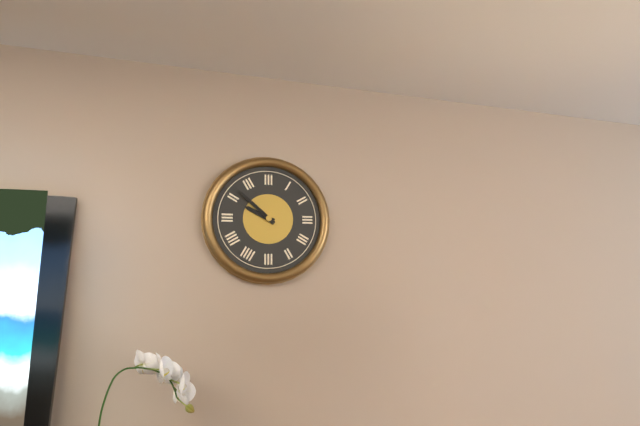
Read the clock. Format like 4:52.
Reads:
9:52
